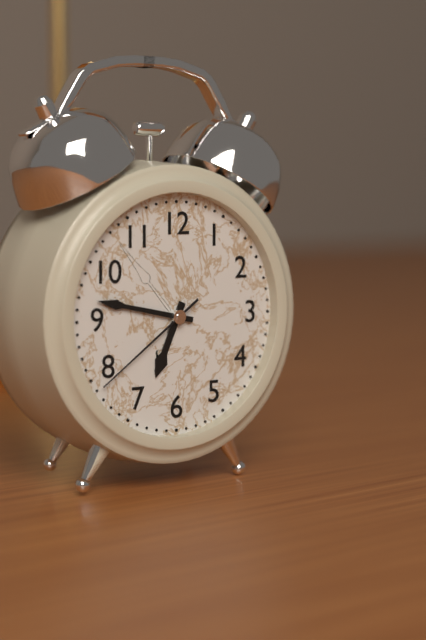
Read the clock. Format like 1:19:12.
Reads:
6:47:39
